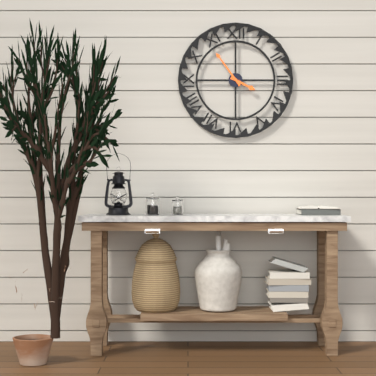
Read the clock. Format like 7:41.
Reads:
3:54
